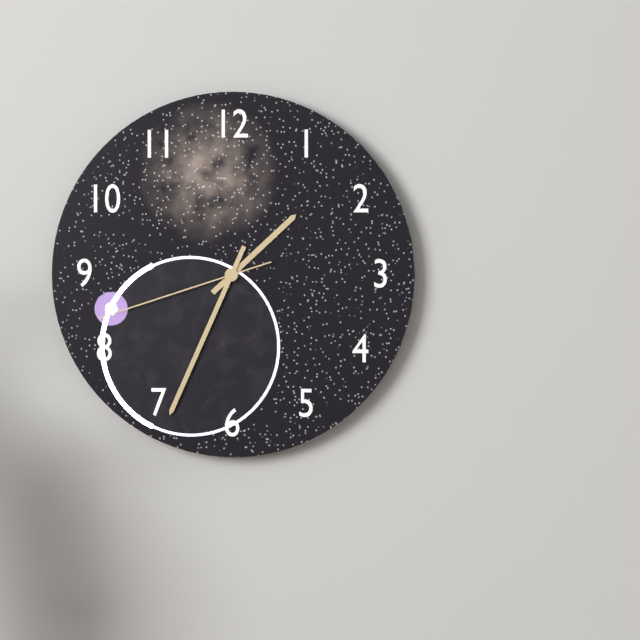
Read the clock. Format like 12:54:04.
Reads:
1:34:42
